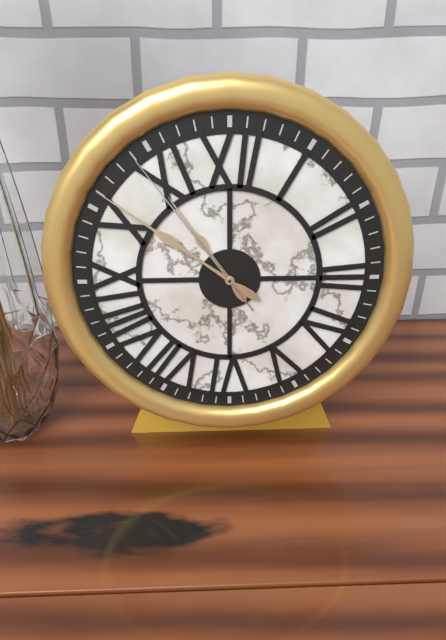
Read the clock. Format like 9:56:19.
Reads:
10:51:54
